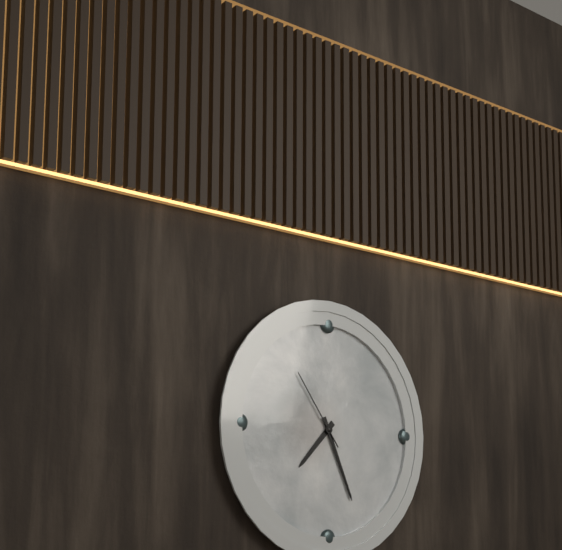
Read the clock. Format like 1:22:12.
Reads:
7:26:54
